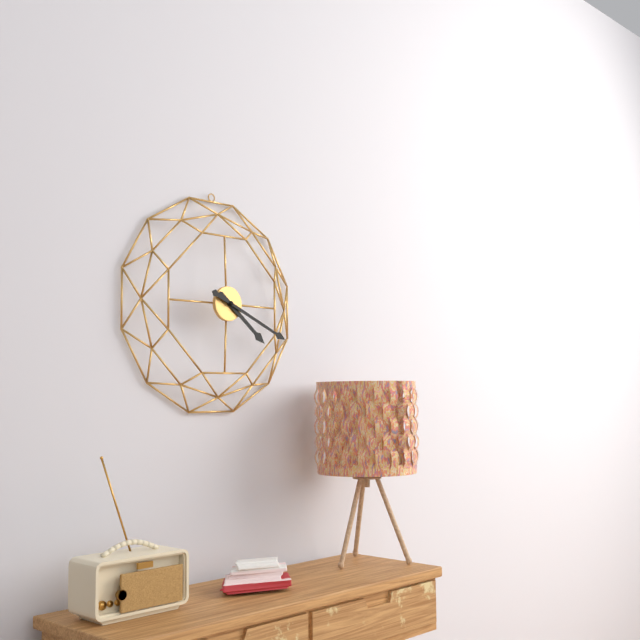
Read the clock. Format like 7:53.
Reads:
4:19
